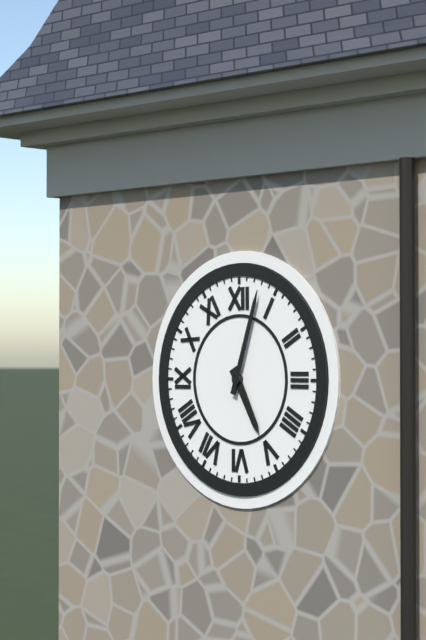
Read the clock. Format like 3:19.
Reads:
5:03
